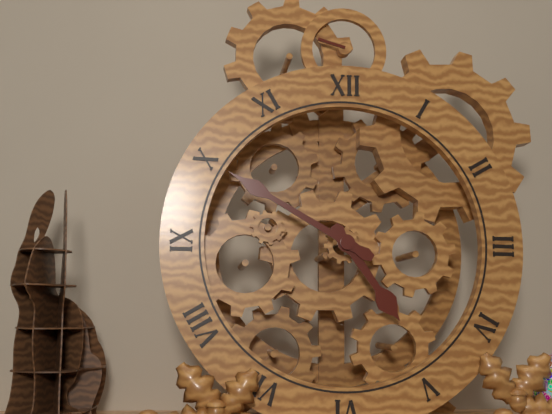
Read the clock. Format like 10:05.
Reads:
4:50
